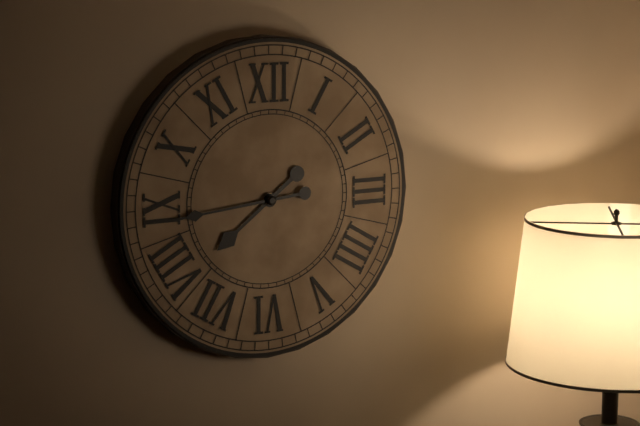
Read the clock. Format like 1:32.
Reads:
7:44
